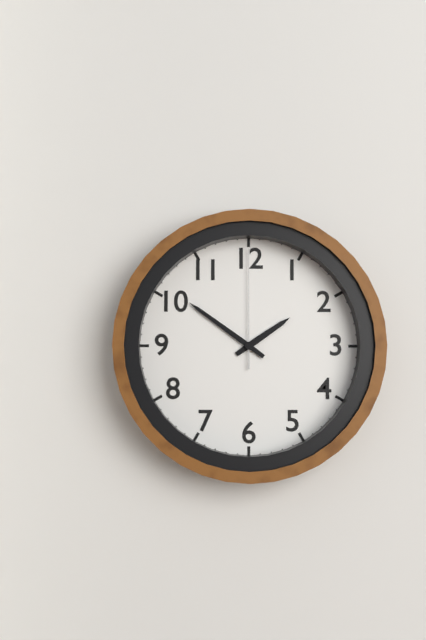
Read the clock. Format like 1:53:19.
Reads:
1:51:00
